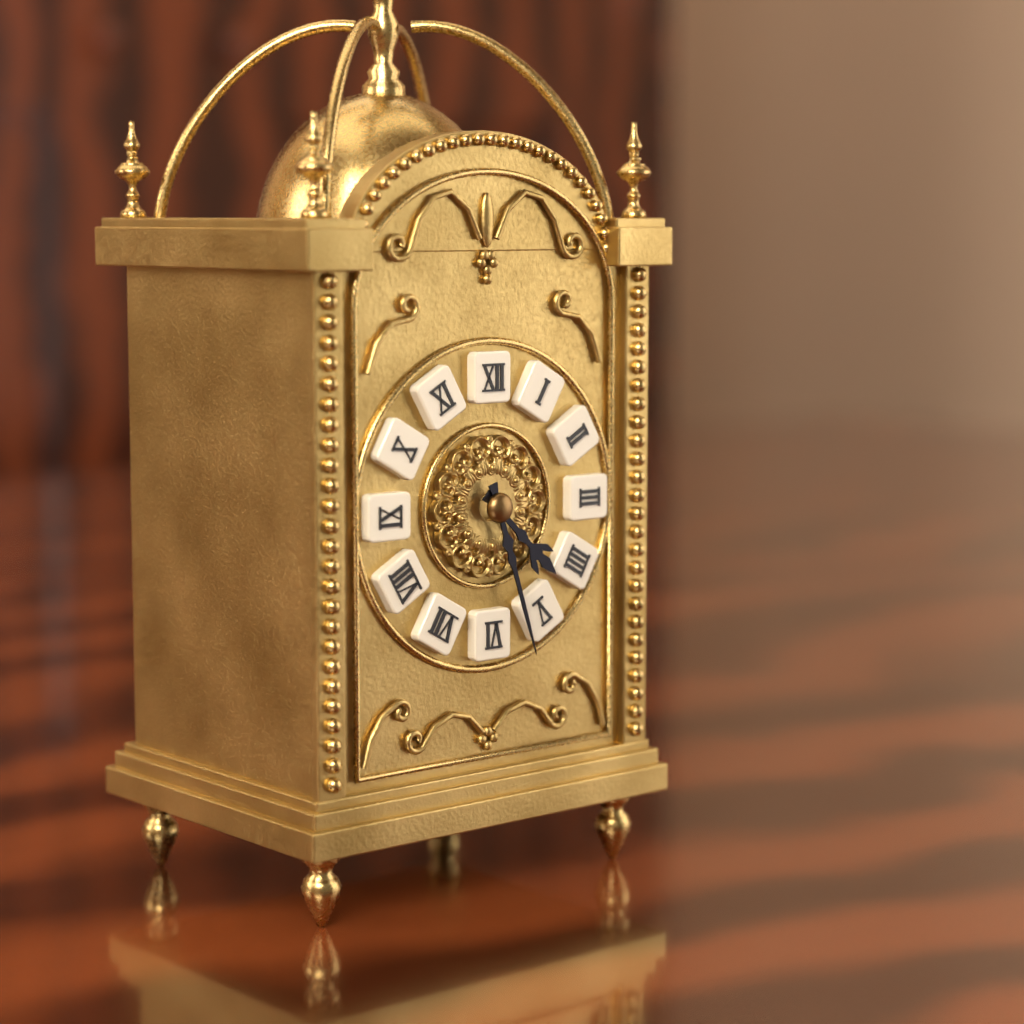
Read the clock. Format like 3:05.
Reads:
4:27
